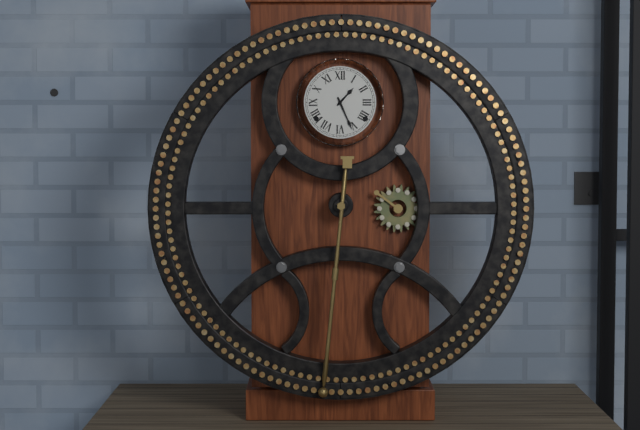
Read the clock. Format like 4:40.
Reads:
1:26
